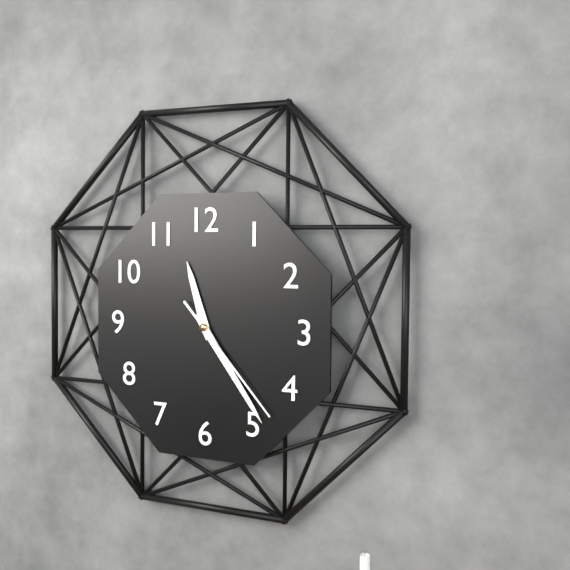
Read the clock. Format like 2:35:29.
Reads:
11:24:23
